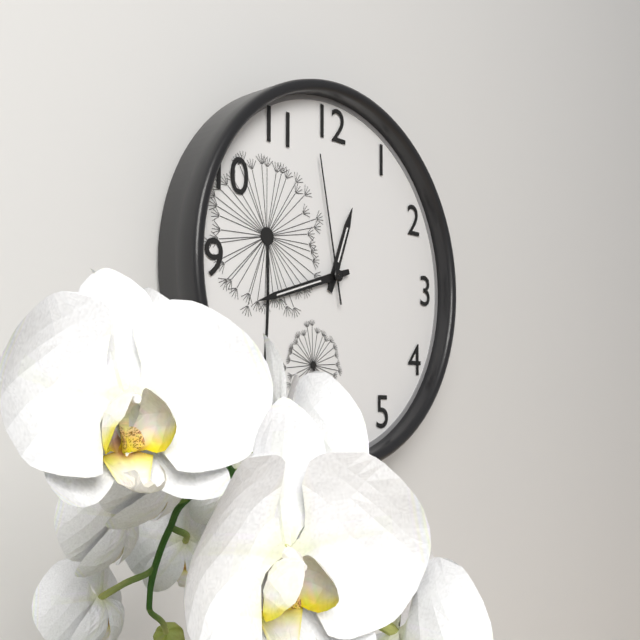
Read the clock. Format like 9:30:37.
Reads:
12:42:58
